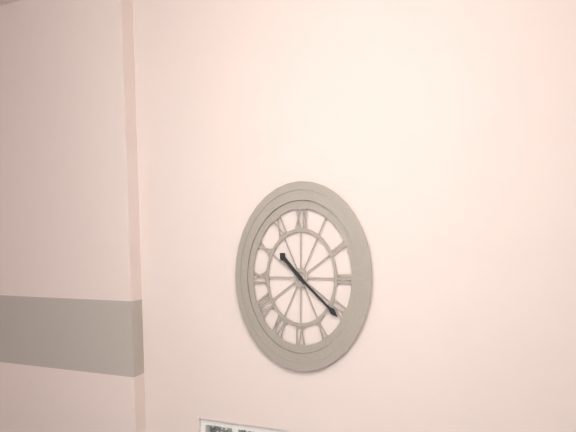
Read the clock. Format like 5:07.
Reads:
10:21
